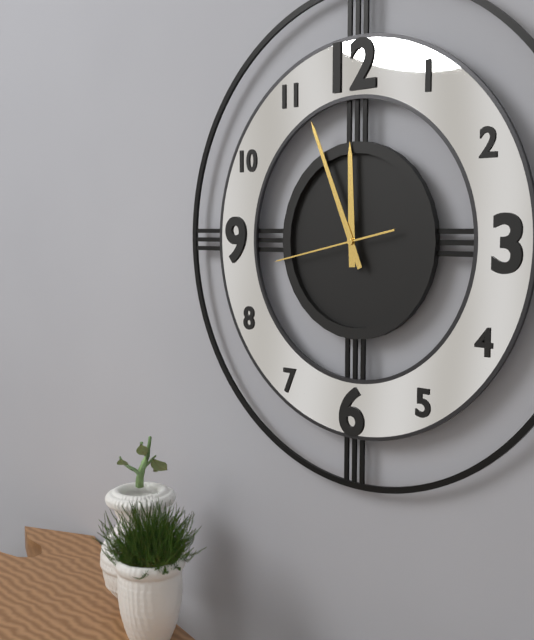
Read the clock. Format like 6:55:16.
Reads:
11:56:43
